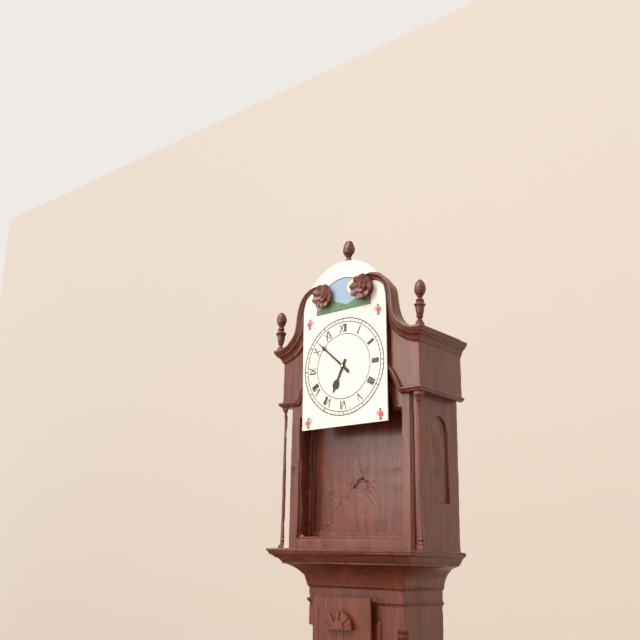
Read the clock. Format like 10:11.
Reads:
6:52
